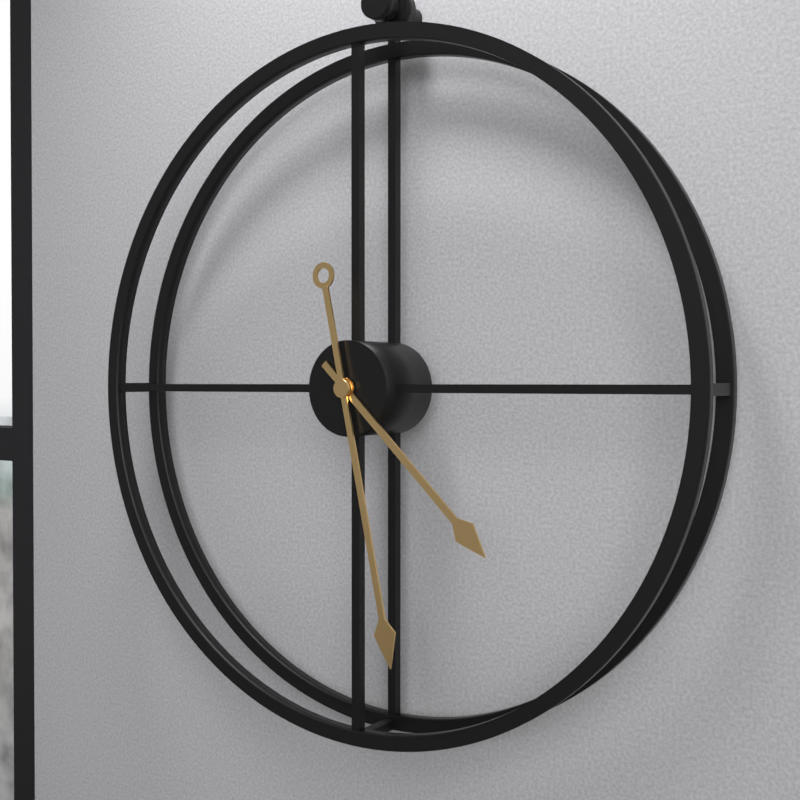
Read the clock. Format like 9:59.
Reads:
4:28
